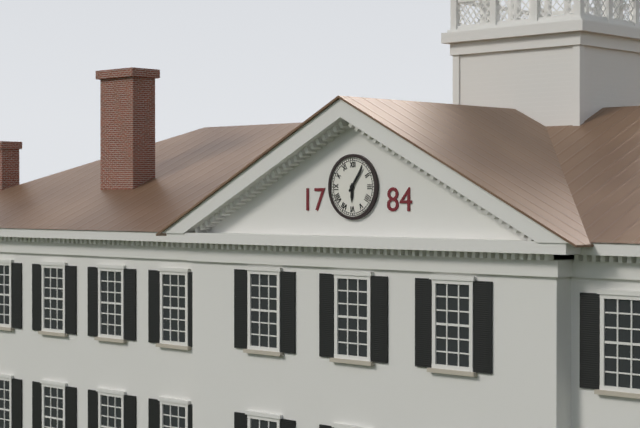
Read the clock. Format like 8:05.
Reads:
6:06
